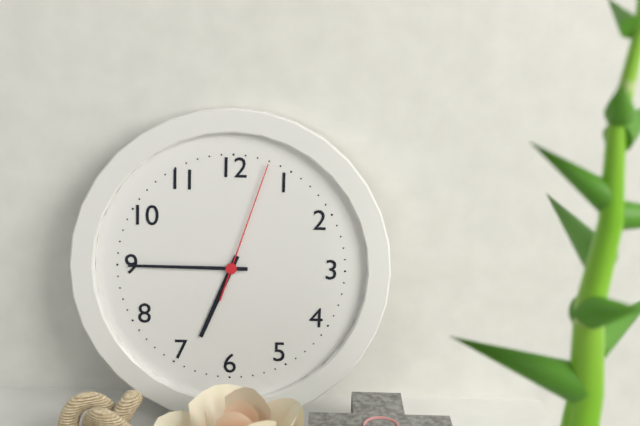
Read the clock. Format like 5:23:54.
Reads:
6:45:03
